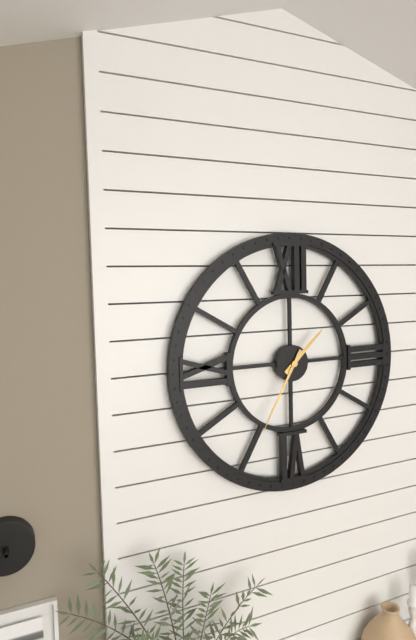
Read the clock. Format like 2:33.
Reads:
1:35
